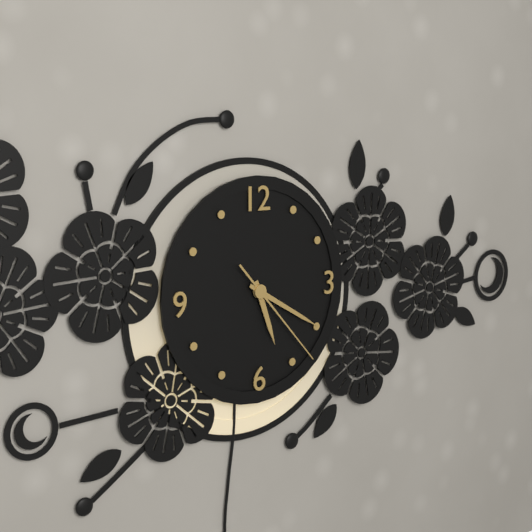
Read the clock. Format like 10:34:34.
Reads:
5:20:23
